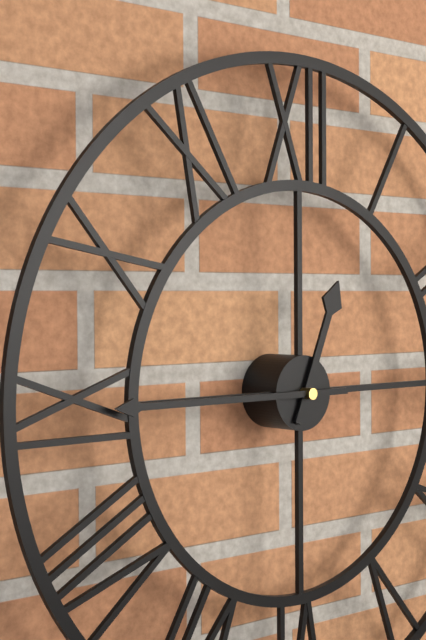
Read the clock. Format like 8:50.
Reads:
12:45
